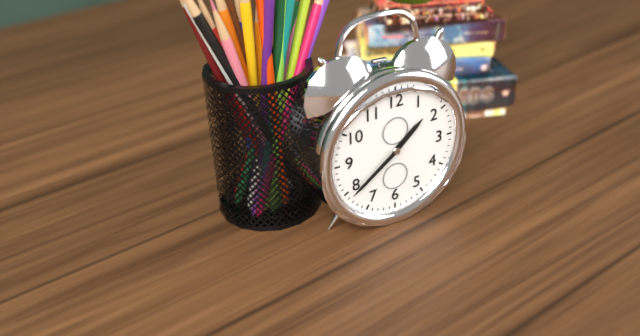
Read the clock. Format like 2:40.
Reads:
1:39
